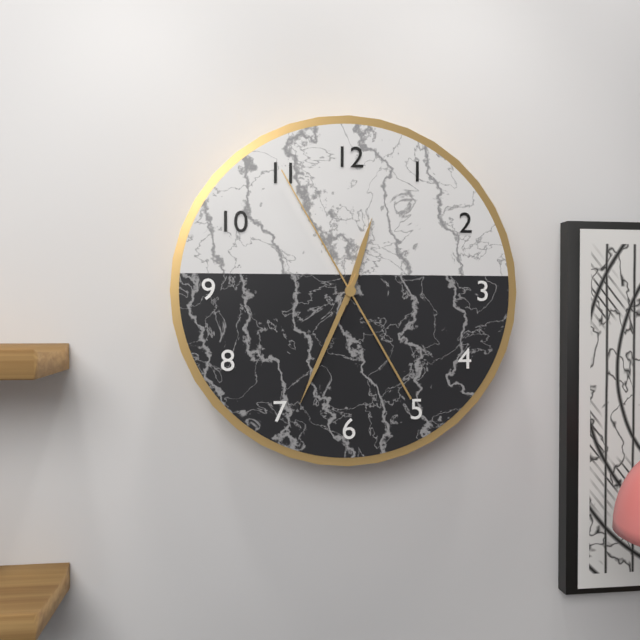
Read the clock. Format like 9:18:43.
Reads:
12:34:55
